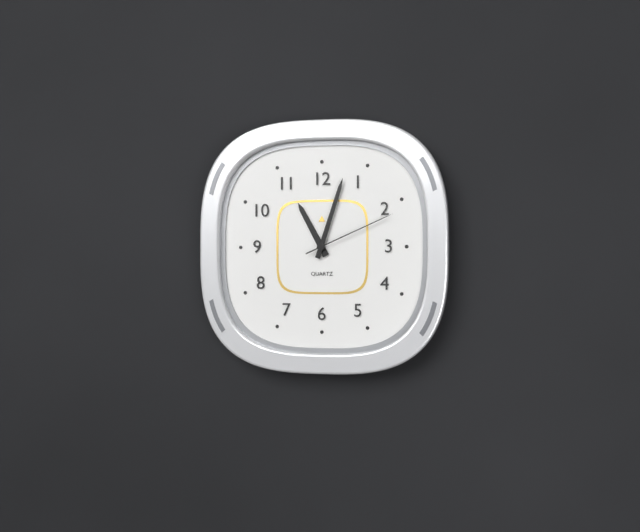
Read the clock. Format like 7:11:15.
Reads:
11:03:11
